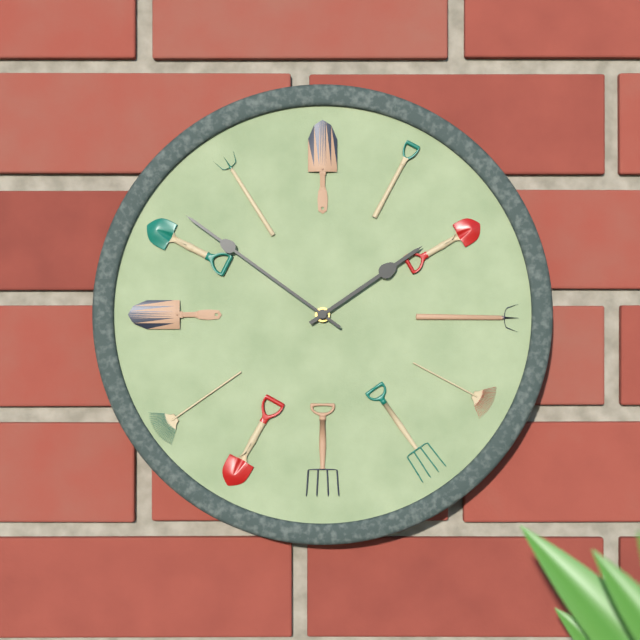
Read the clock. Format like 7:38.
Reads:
1:51
